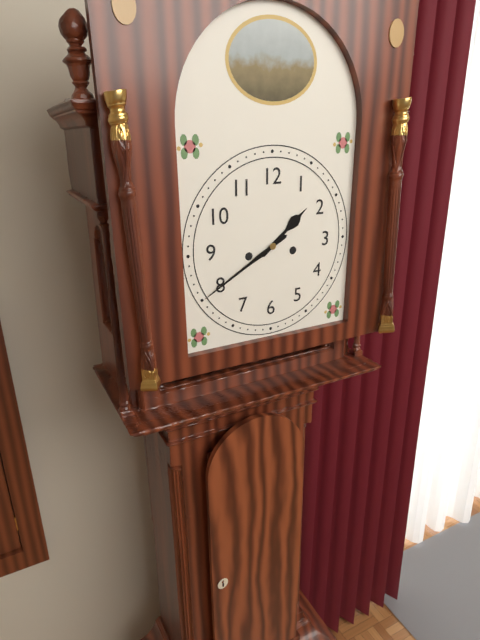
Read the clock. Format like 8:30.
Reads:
1:40
